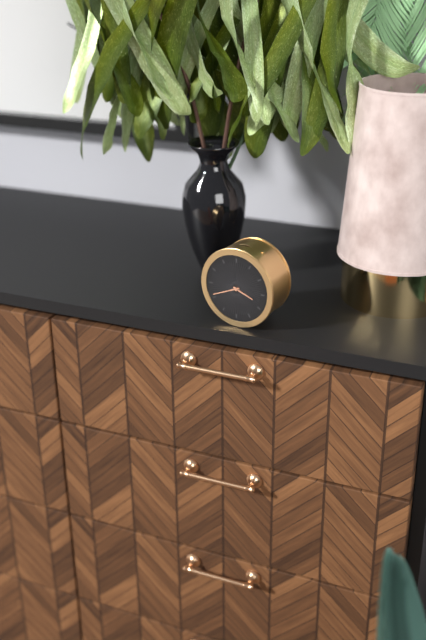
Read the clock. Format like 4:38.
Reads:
3:41
